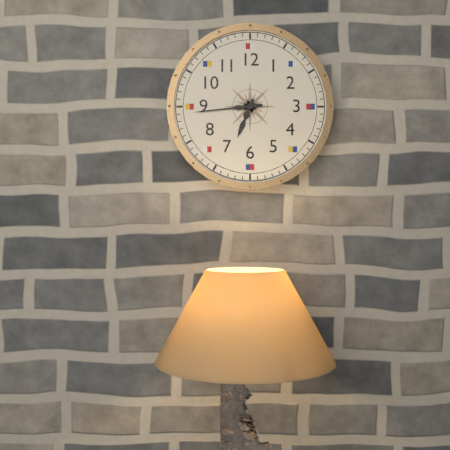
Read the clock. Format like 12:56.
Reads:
6:44
